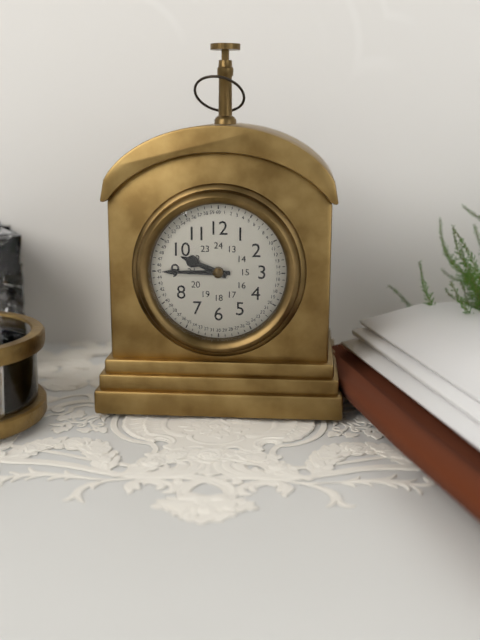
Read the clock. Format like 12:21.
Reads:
9:45
